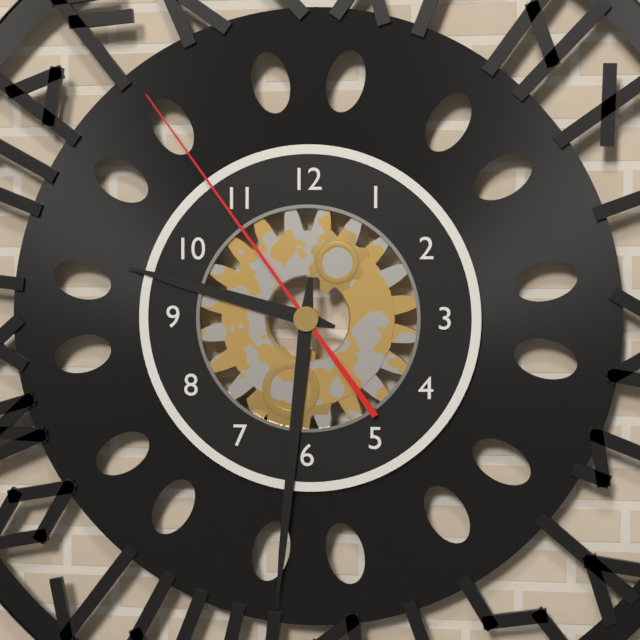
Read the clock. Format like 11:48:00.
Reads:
9:31:54
